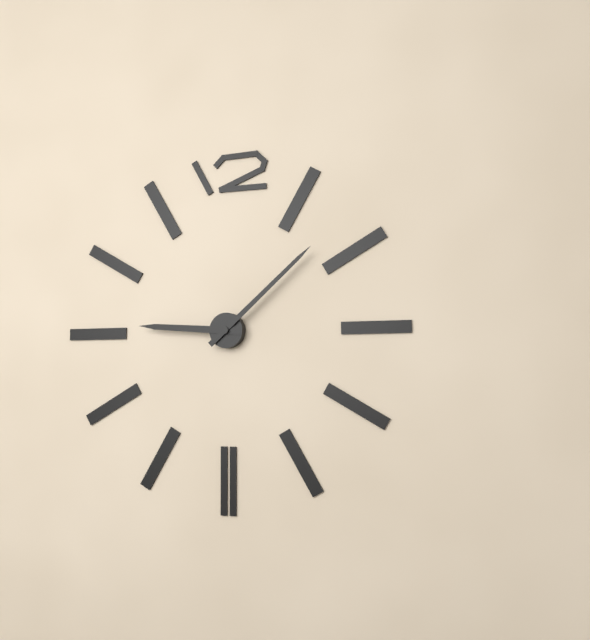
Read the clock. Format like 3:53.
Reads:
9:08
